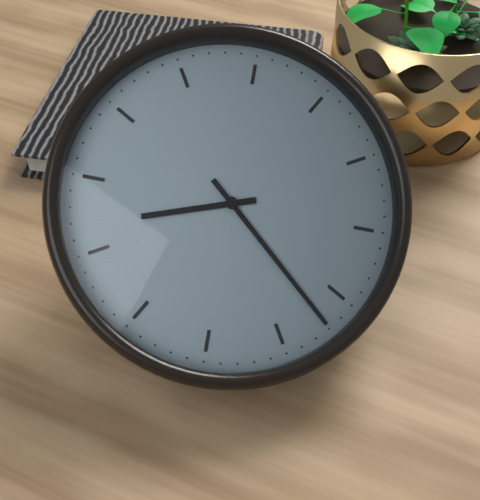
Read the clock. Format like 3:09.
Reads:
8:22
